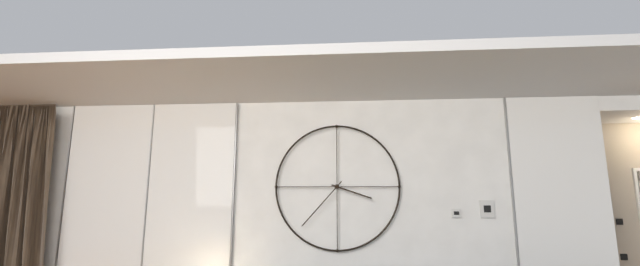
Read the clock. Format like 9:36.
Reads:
3:37
